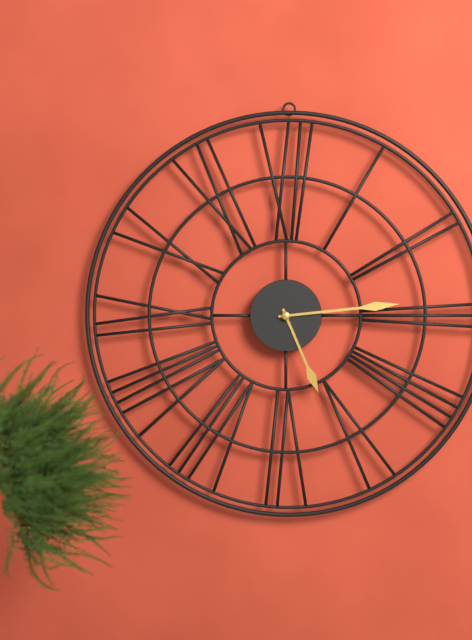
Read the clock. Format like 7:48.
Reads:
5:14
